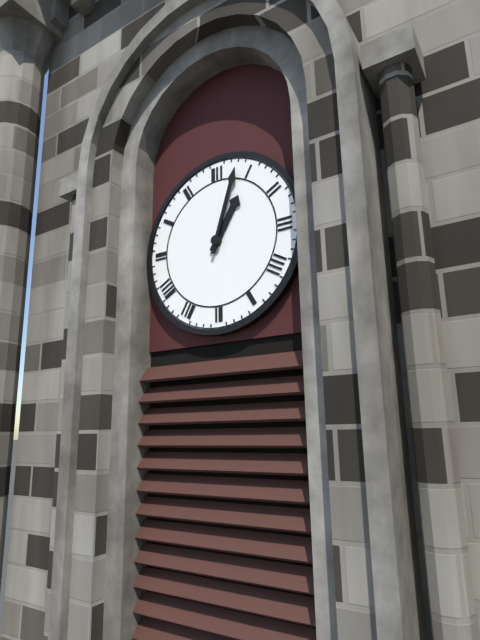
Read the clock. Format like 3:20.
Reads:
1:03
